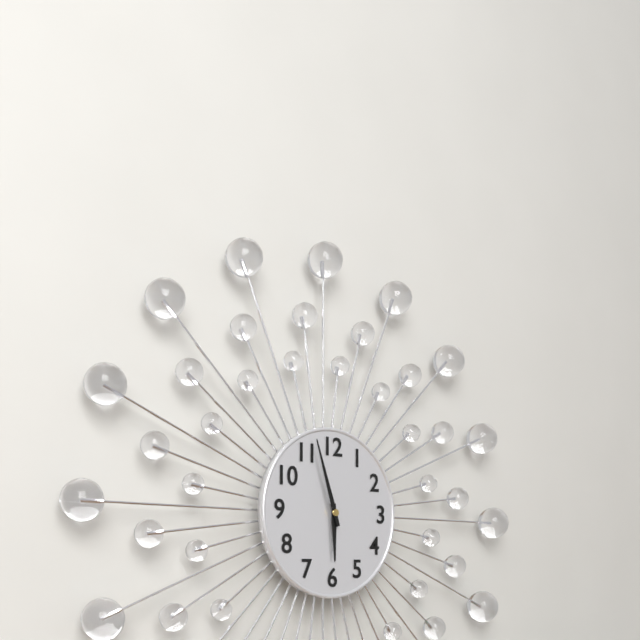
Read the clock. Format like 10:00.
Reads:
5:57
